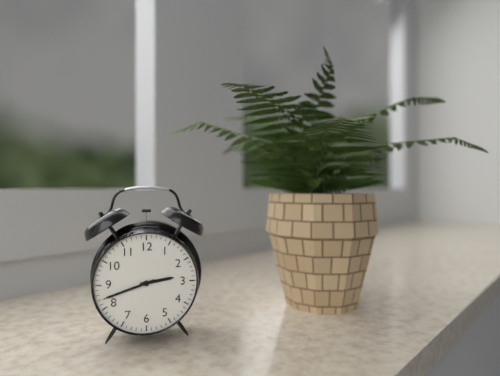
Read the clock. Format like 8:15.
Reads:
2:42
